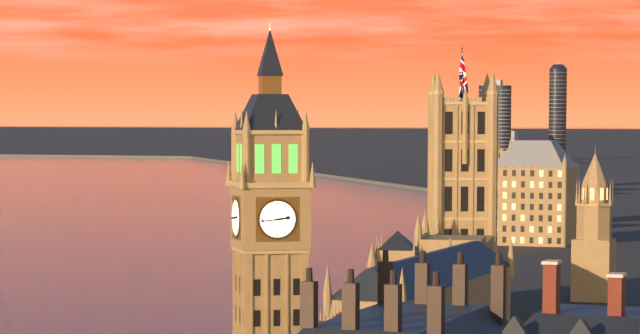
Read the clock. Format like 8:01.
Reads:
2:44
